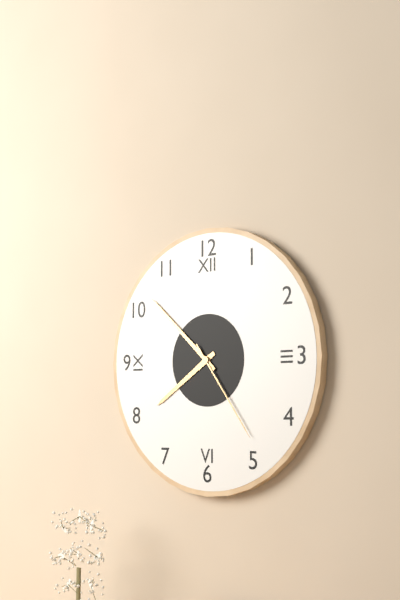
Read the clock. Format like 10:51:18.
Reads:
7:52:24
